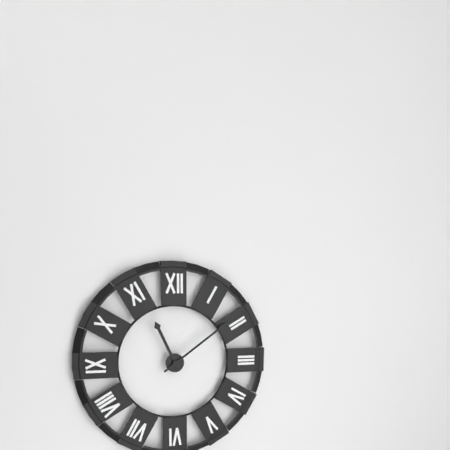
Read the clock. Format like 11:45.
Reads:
11:09
